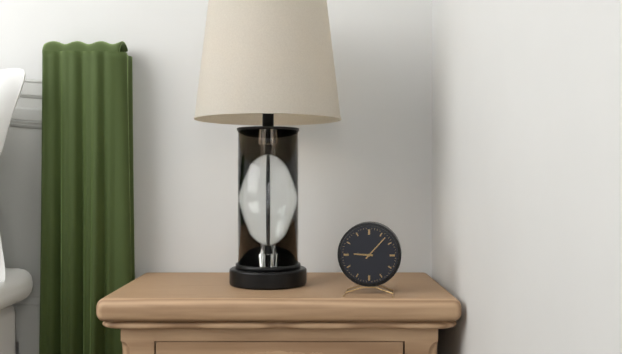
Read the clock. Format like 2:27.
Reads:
9:07
